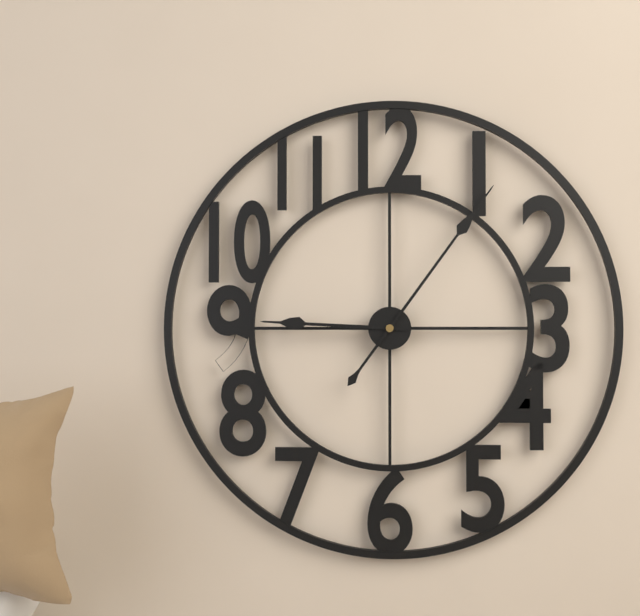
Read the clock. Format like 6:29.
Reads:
9:06
